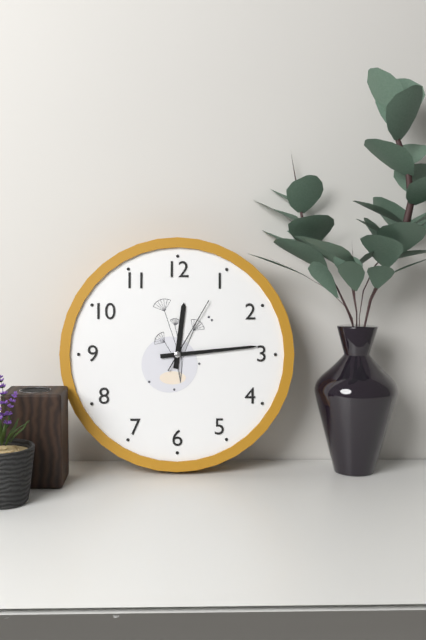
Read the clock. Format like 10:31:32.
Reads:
12:14:05
